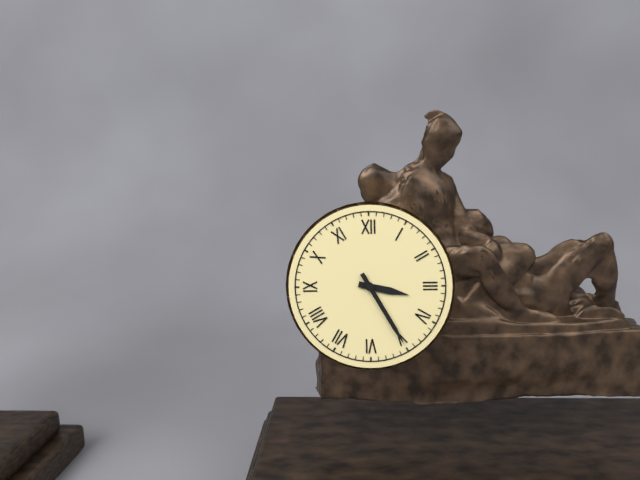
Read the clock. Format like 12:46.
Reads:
3:25
